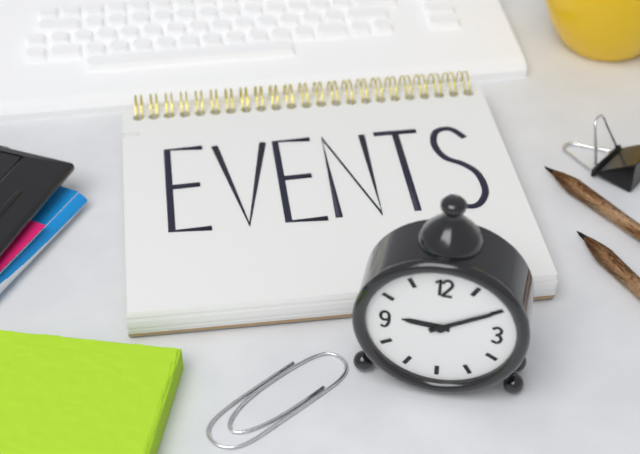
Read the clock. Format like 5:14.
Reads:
9:10
